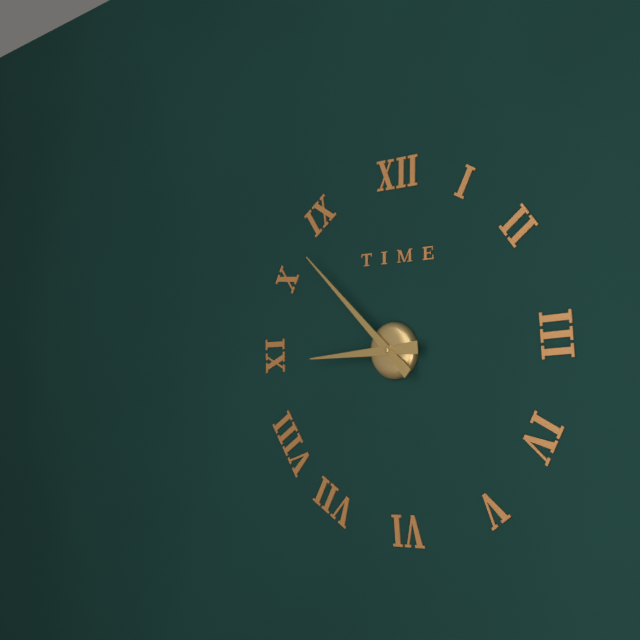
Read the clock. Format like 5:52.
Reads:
8:52
